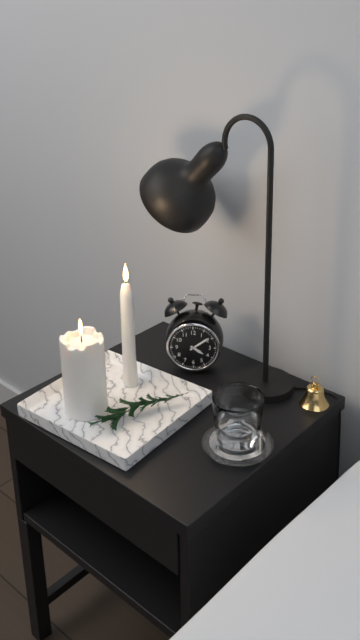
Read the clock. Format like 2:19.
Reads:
4:09
